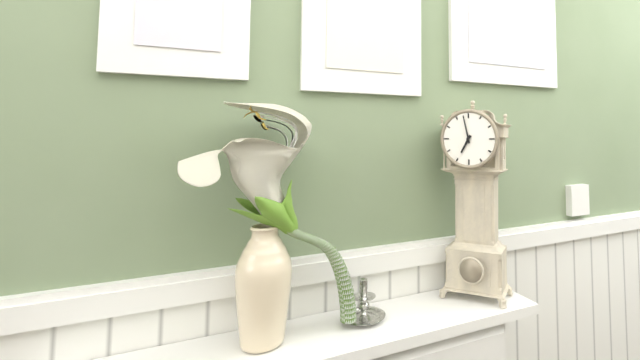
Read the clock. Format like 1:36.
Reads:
6:58
